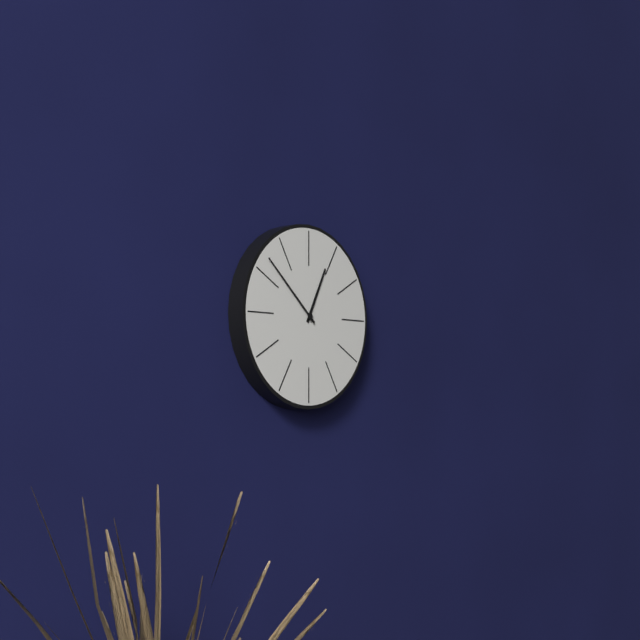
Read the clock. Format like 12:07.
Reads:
12:52
